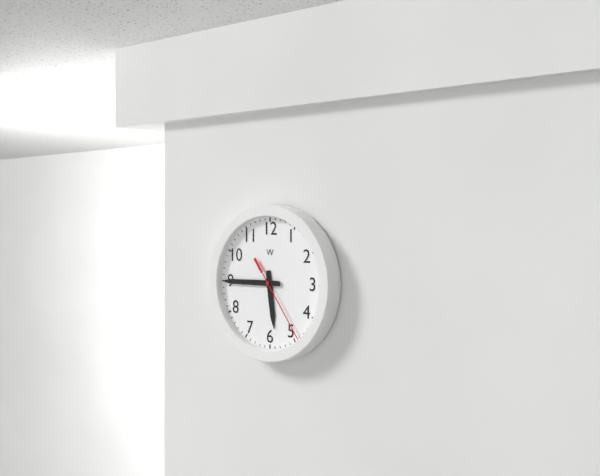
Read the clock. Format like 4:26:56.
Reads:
5:45:24
